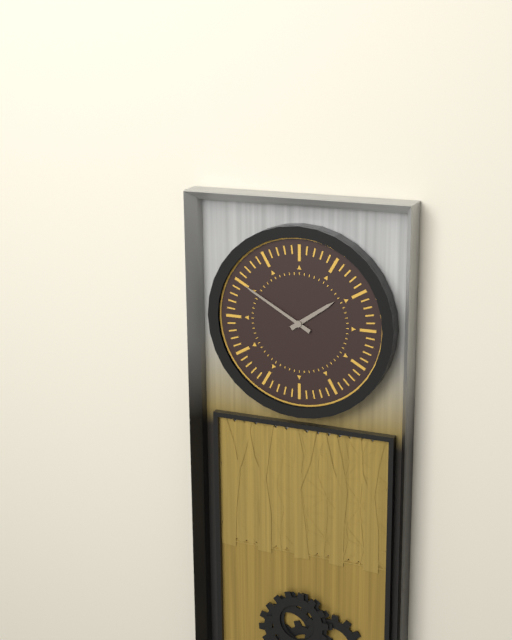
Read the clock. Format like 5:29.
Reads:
1:50
